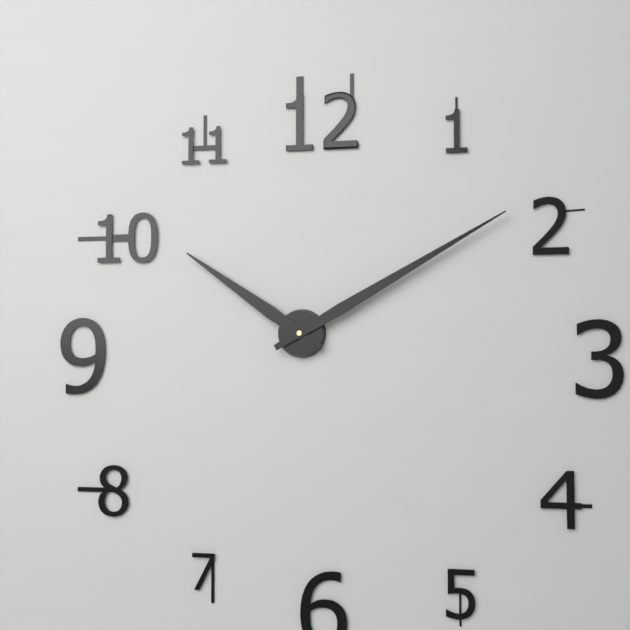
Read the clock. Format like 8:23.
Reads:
10:10
